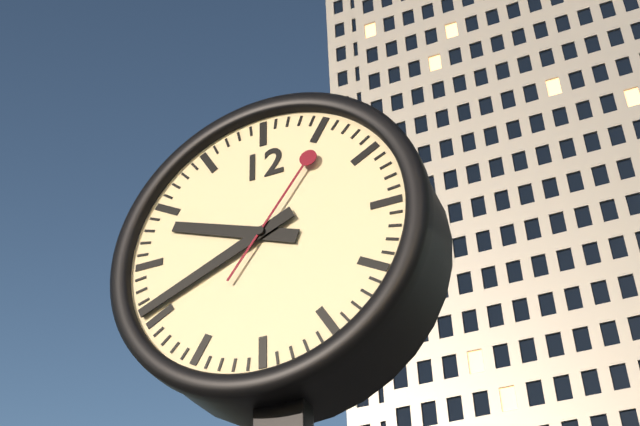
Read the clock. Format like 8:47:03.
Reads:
9:41:06
